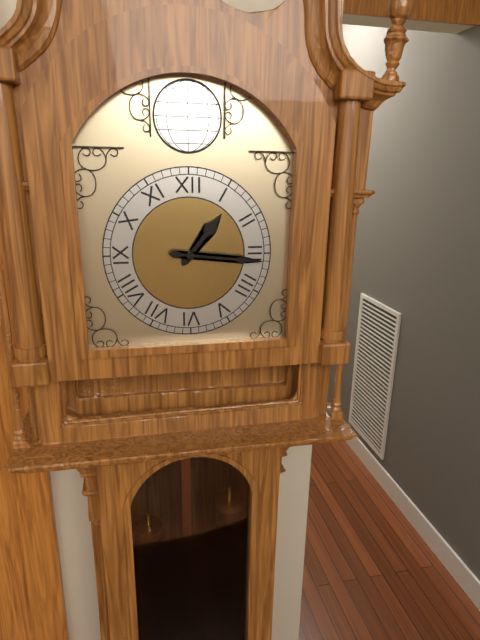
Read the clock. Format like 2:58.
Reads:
1:16
